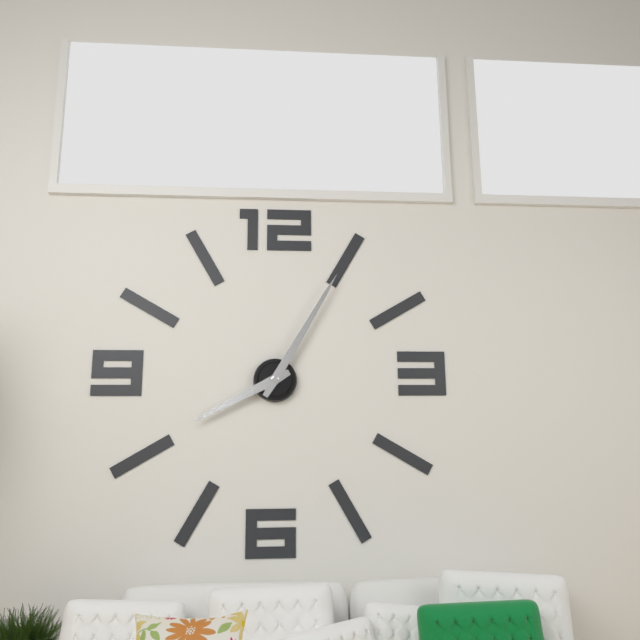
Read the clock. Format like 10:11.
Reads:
8:05
